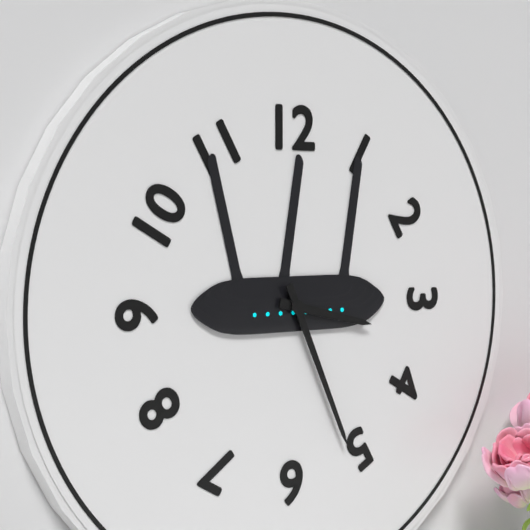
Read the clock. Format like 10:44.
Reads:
3:26
